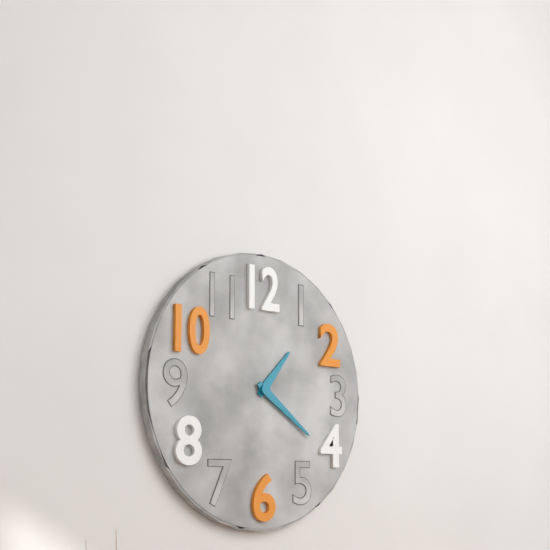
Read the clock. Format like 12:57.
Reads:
1:21
